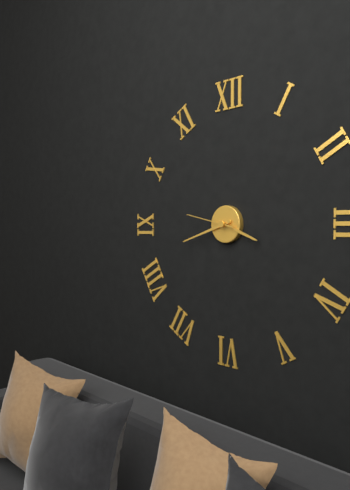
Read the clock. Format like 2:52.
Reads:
3:42
